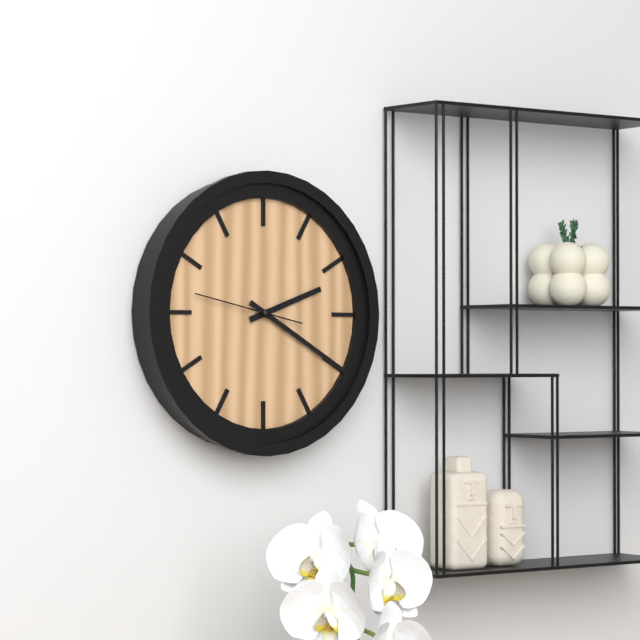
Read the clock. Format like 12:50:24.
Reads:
2:20:47
